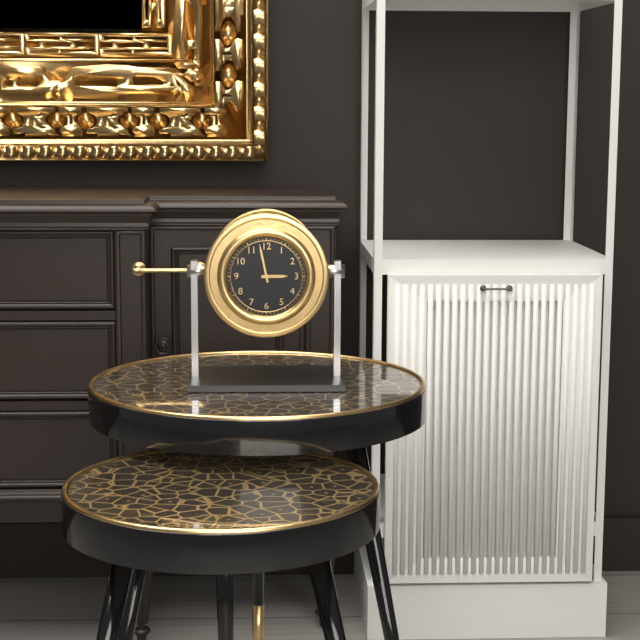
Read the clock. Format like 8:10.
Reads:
2:58
